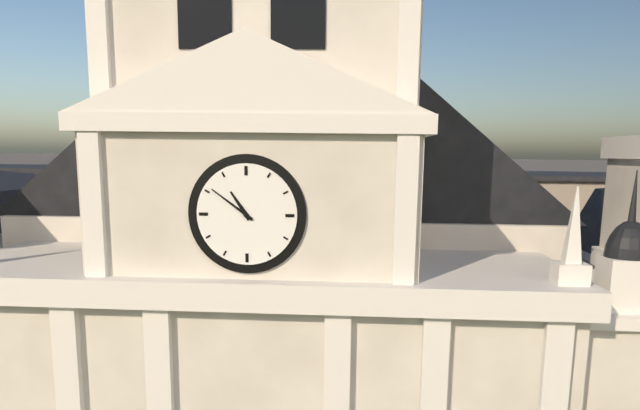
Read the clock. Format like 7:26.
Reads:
10:51
